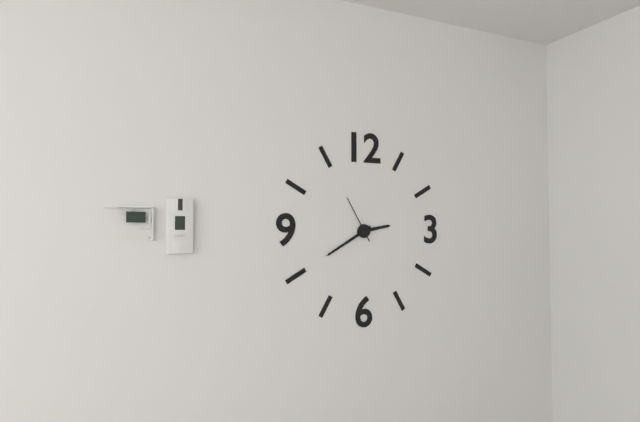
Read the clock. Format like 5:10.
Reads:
2:40
